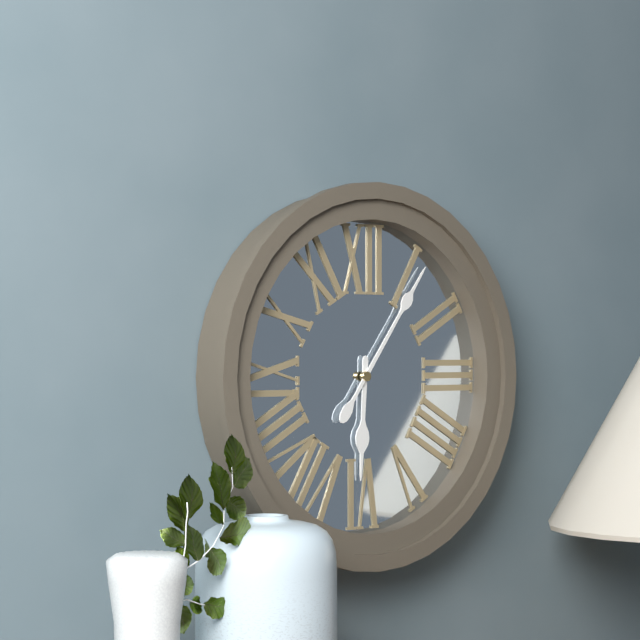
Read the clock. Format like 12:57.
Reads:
6:06
